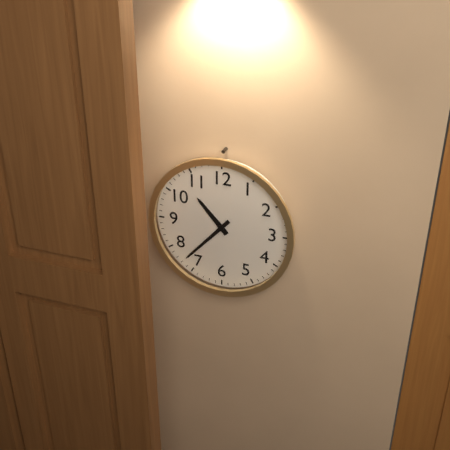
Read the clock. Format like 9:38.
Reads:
10:37
